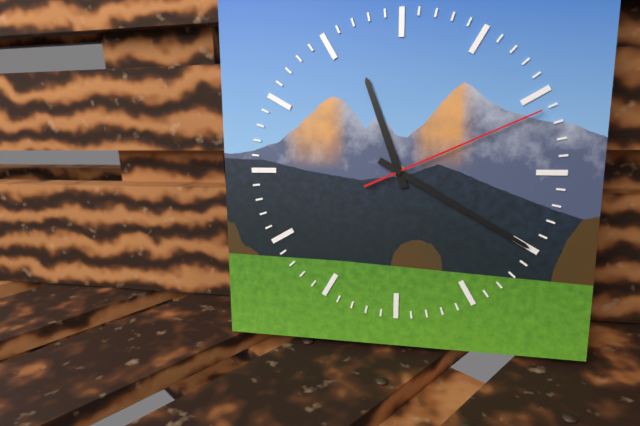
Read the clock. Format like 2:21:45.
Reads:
11:20:11
